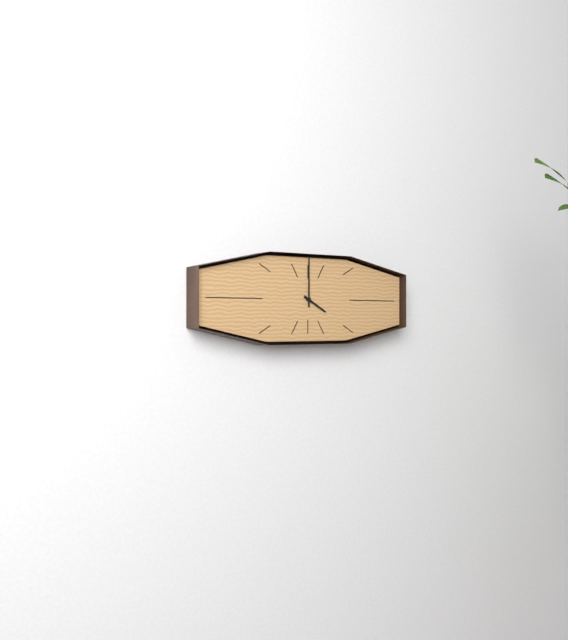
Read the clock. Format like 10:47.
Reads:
4:00
